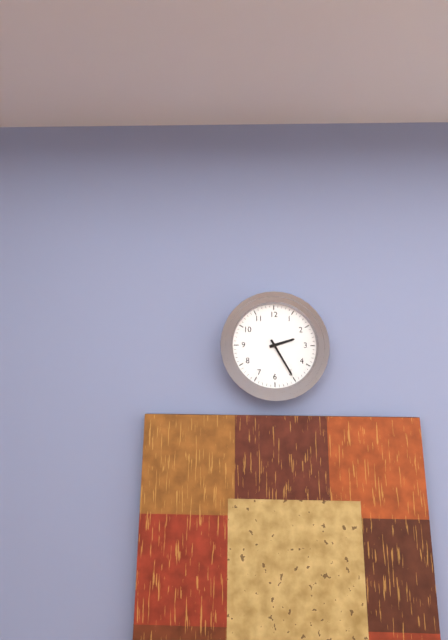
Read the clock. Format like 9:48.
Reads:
2:25
